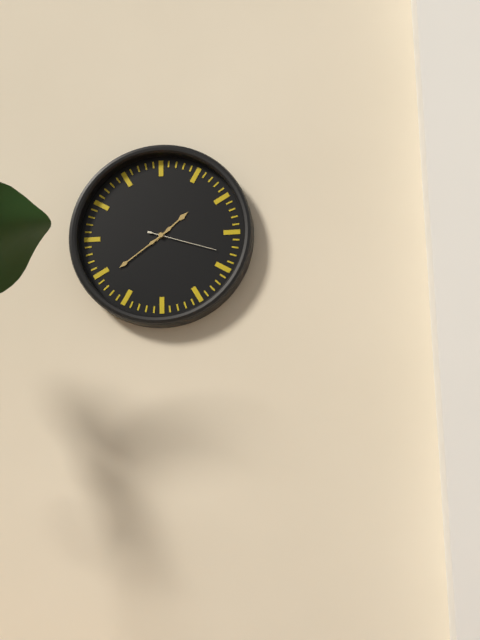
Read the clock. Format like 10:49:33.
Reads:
1:39:18
